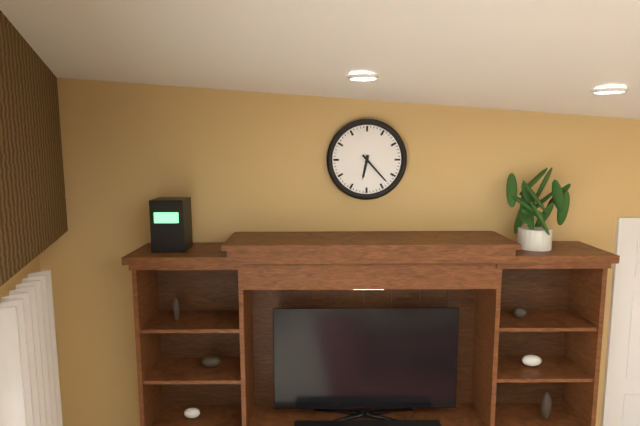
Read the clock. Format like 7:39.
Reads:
6:23
